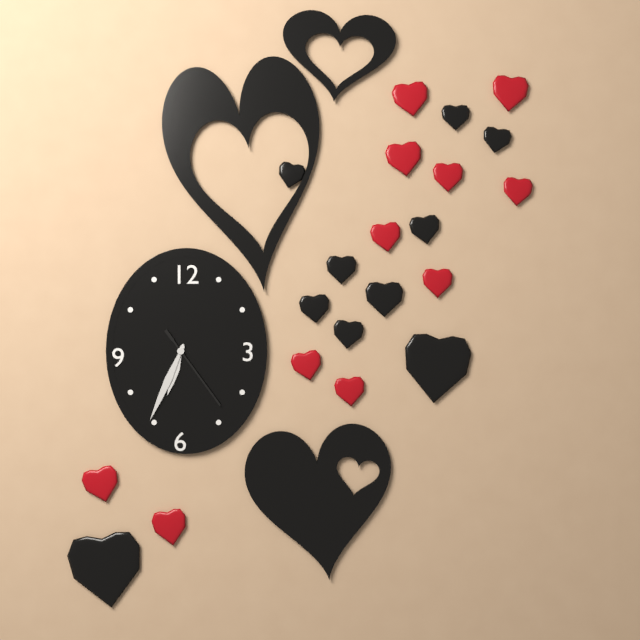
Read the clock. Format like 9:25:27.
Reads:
6:34:24
